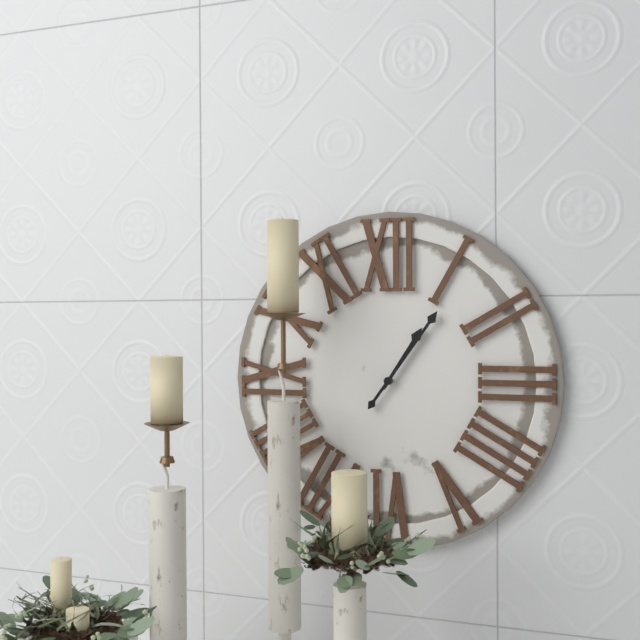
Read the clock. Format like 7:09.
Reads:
1:06
